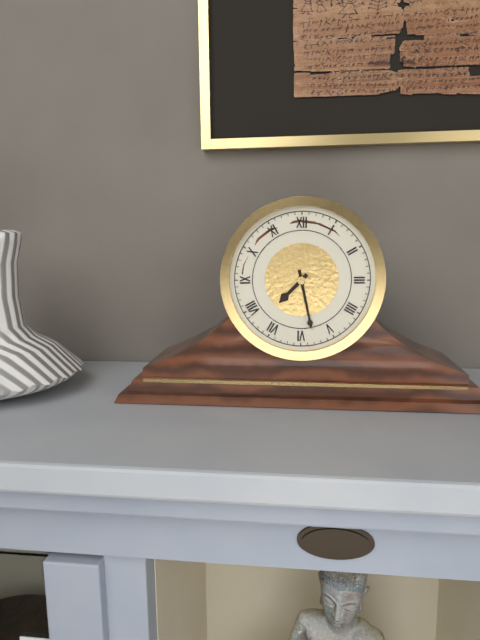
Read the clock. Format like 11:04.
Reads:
7:28
